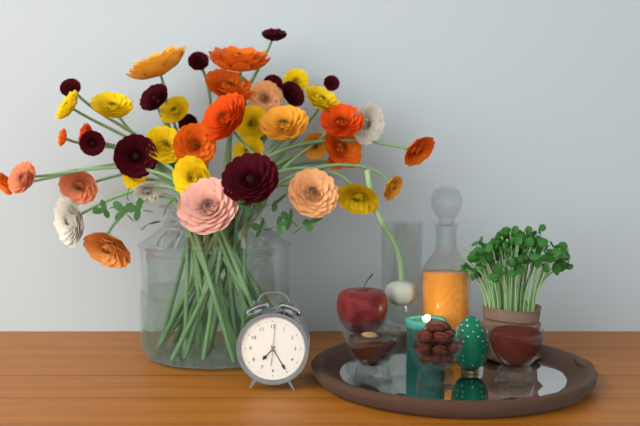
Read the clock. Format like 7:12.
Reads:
7:25
